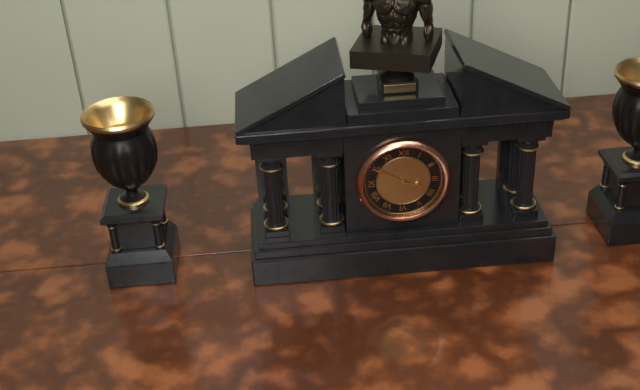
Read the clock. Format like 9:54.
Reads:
3:50
